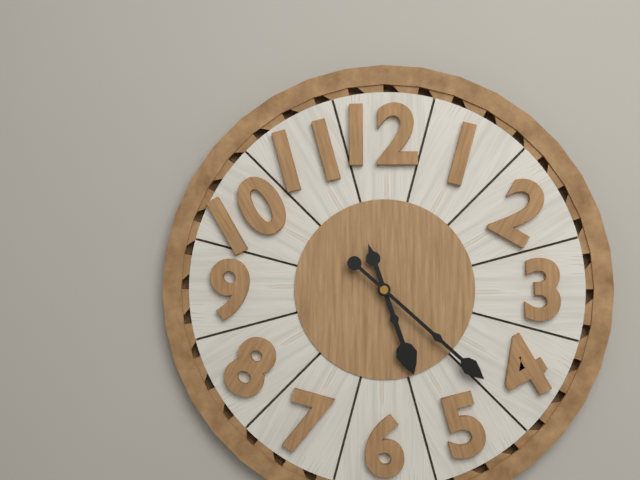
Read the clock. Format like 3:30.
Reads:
5:22
